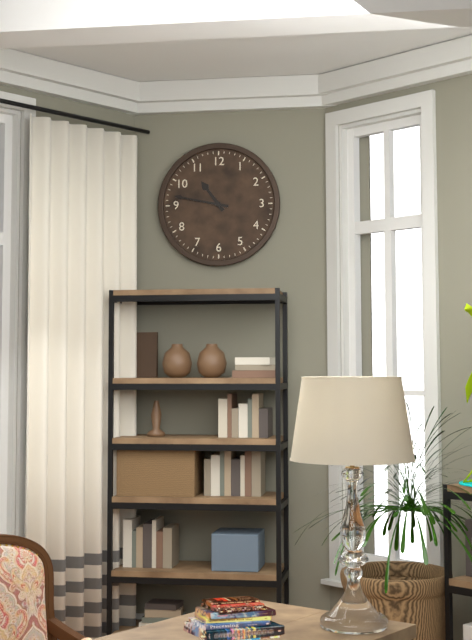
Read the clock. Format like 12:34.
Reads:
10:47
